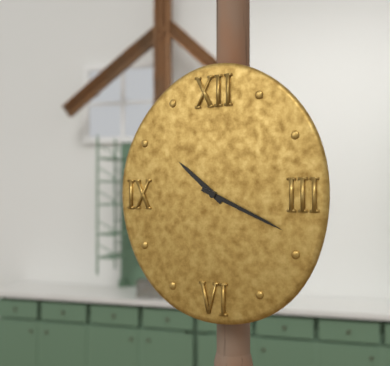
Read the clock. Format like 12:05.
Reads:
10:19
